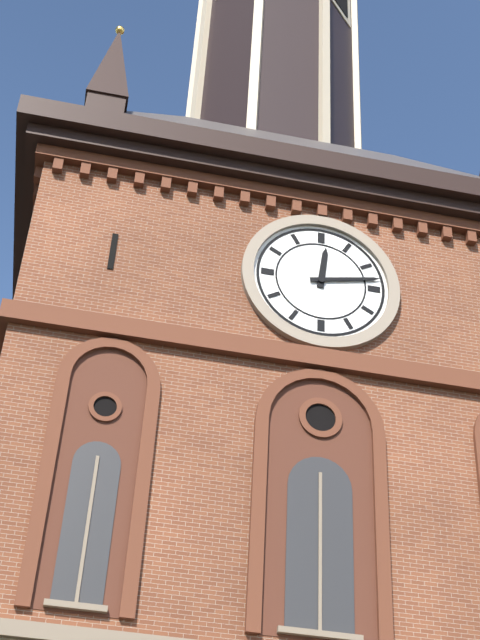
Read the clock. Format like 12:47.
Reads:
12:13
